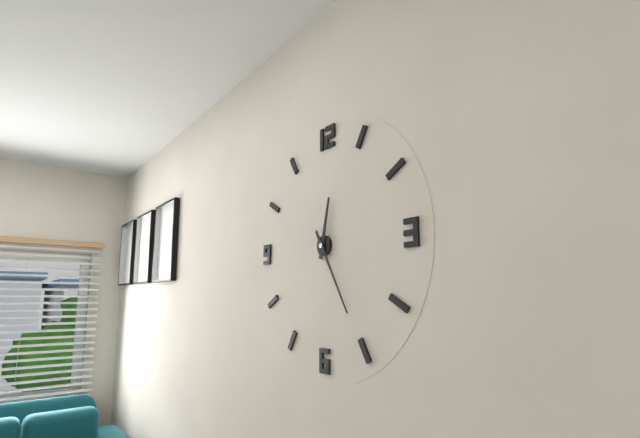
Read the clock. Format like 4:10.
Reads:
12:25
